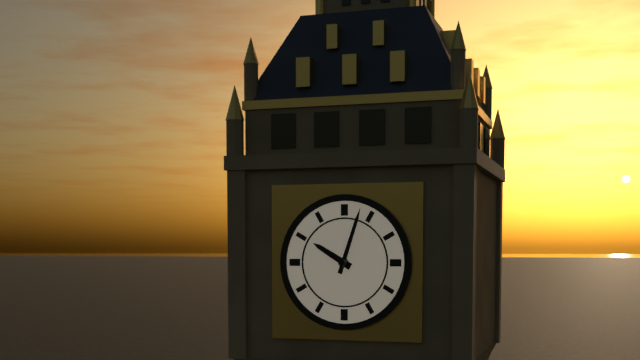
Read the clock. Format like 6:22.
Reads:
10:03
